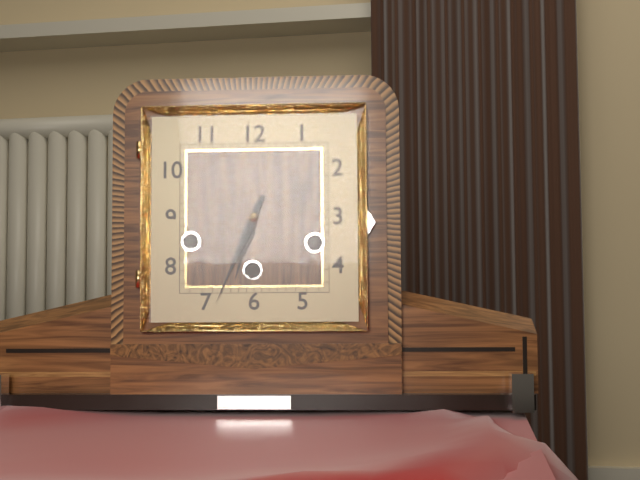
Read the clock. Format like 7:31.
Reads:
6:34
